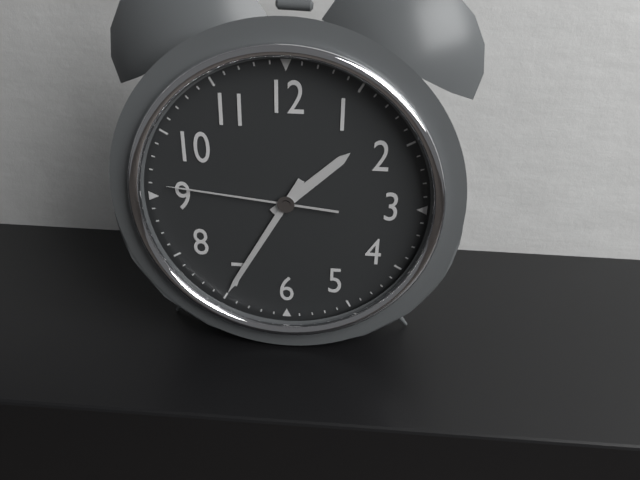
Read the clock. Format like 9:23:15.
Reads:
1:35:46
